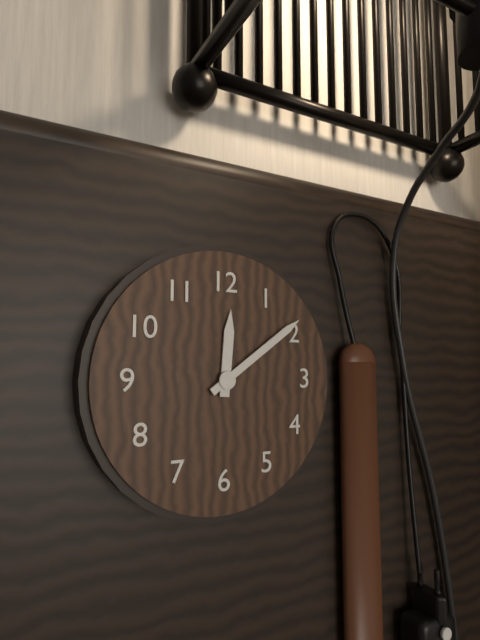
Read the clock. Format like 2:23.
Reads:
12:09
